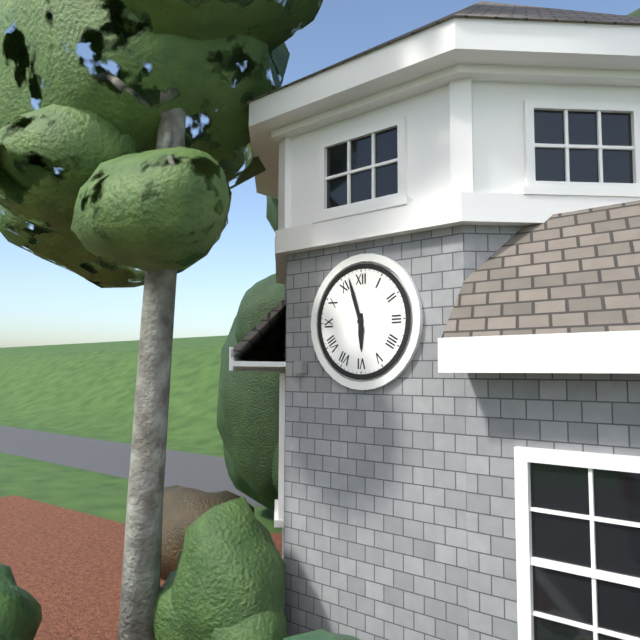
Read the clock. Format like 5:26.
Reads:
5:57
